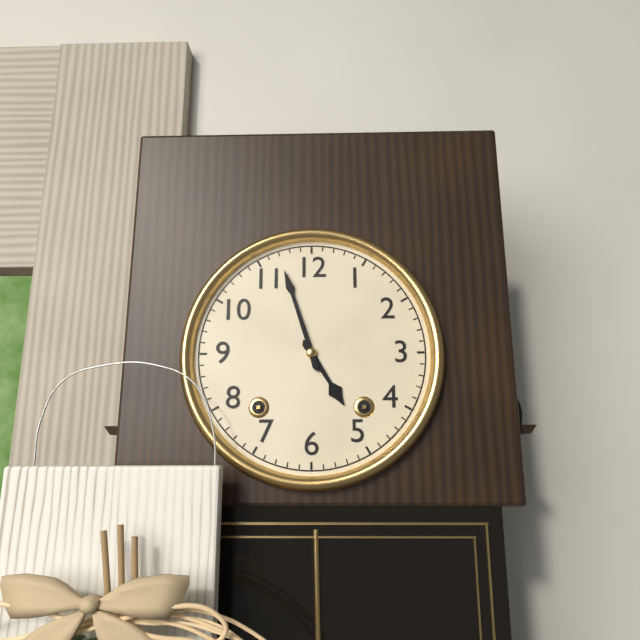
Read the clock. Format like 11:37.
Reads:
4:57
